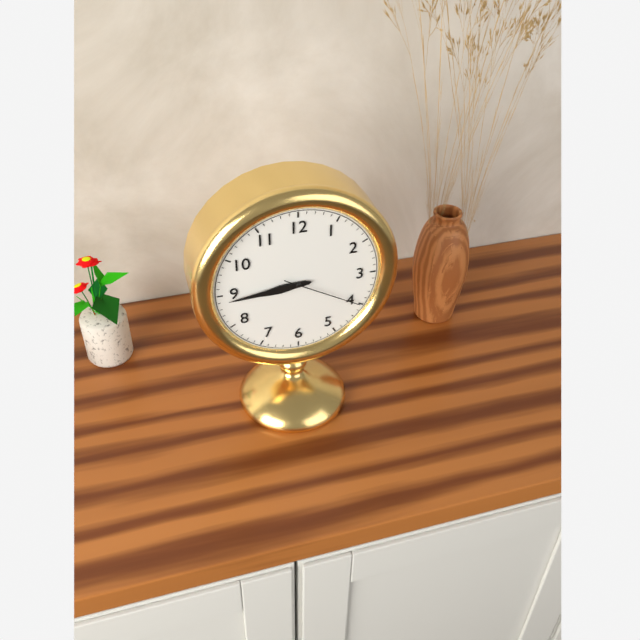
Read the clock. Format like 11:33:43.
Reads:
8:44:20
